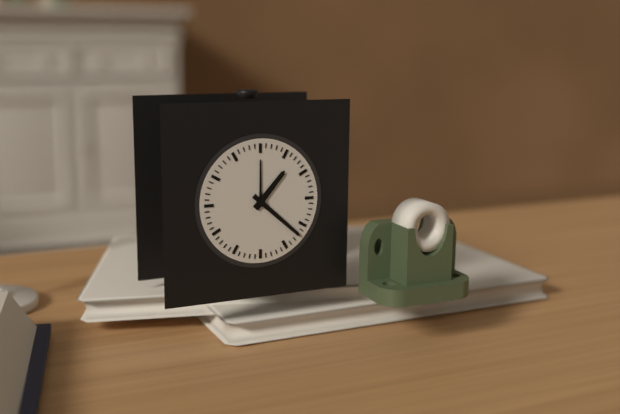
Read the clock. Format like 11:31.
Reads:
1:22
